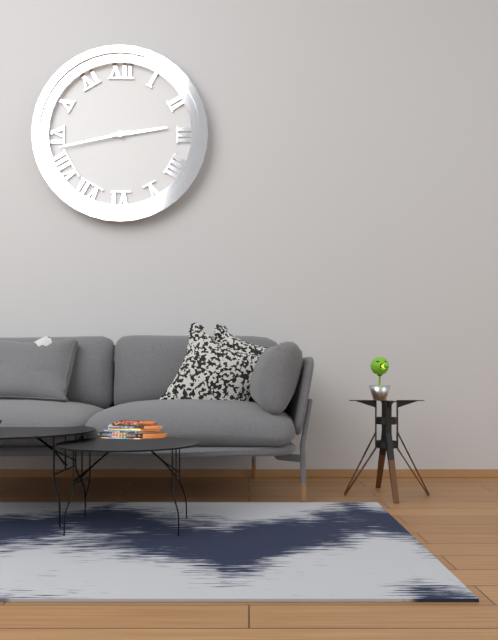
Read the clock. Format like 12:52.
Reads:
2:43
